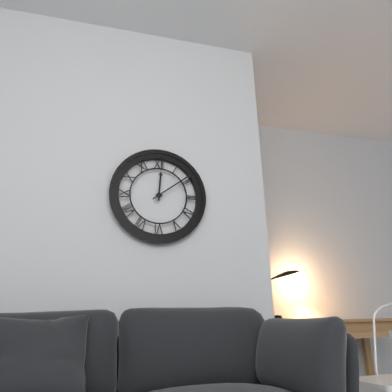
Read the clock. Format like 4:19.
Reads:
12:09
